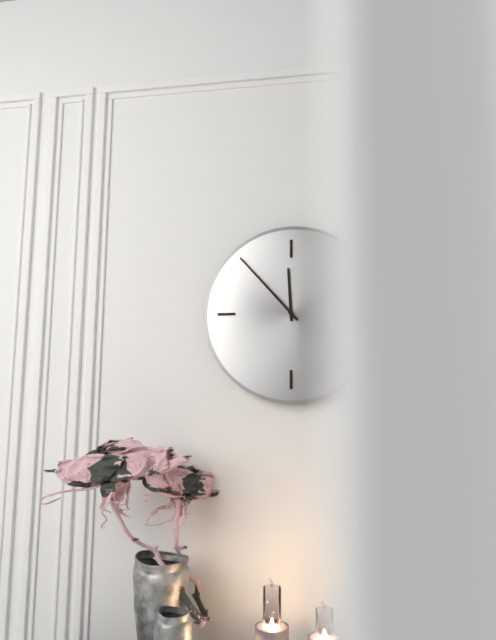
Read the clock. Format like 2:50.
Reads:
11:53
